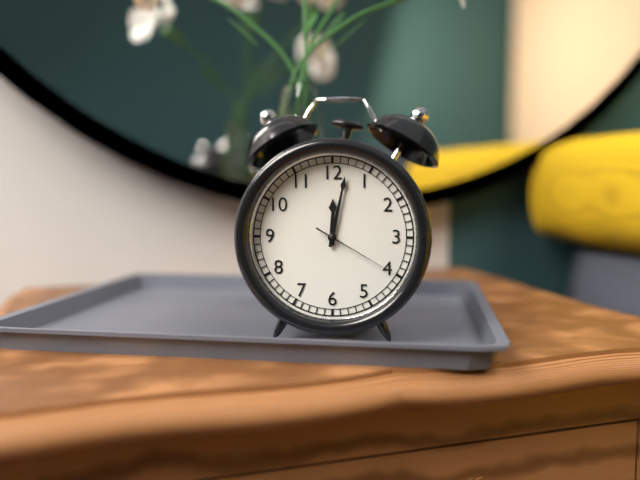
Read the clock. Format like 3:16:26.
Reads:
12:02:20
